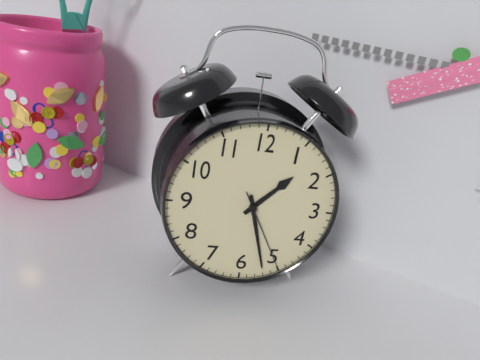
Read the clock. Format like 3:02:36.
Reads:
1:27:25
